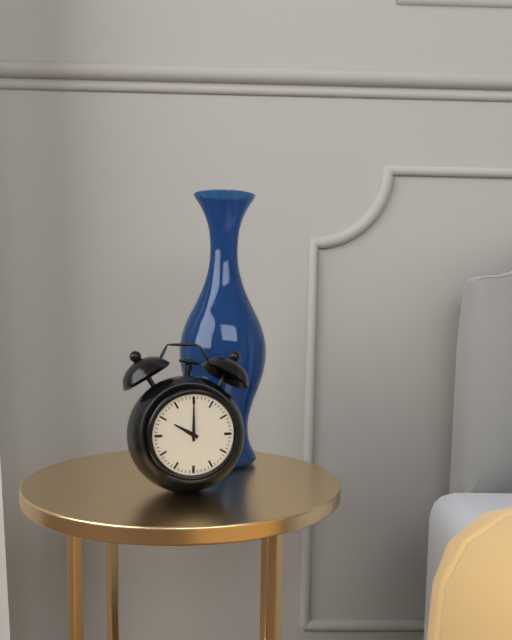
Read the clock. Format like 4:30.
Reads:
10:00
